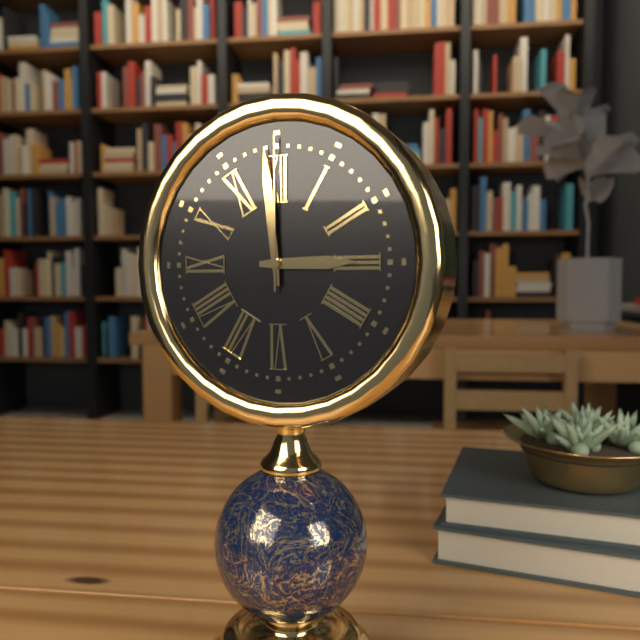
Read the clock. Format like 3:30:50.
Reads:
2:59:00
